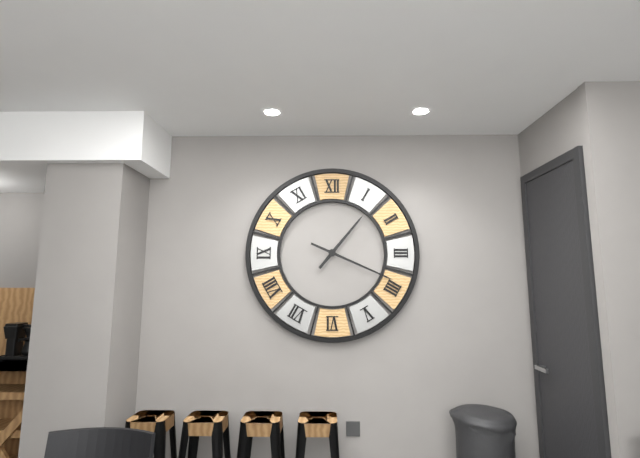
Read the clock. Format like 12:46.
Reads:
1:19
